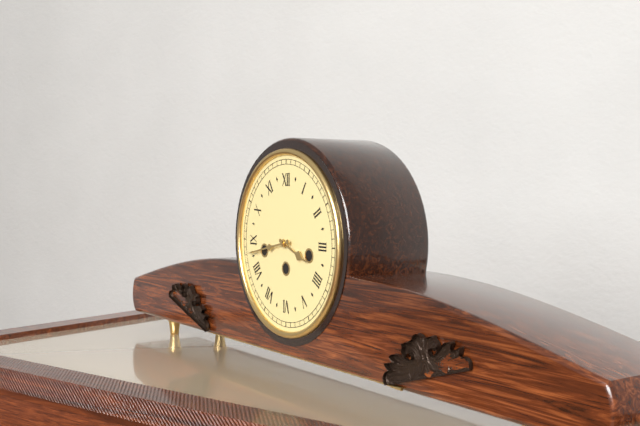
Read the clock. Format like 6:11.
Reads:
3:43
